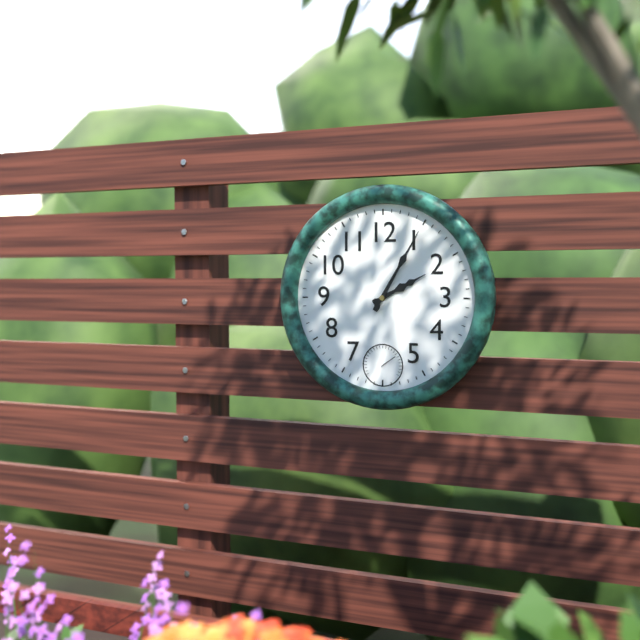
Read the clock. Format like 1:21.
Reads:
2:05
